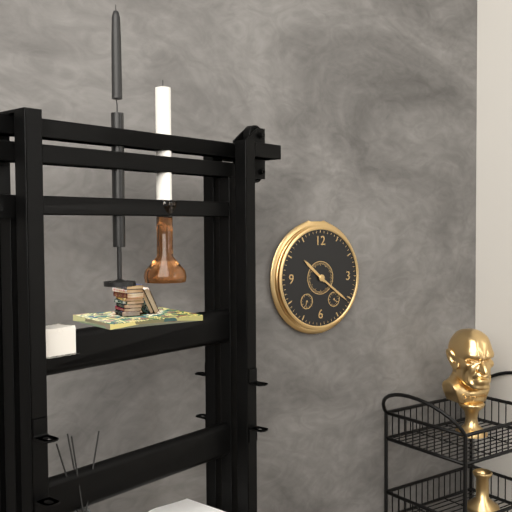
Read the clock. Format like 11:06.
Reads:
10:21
